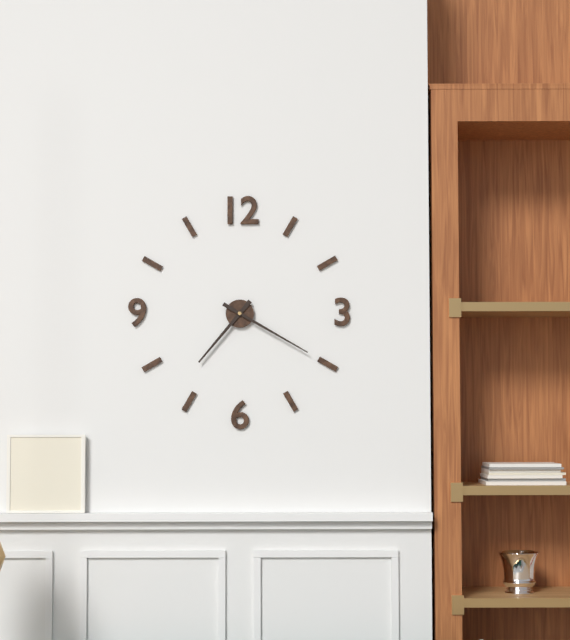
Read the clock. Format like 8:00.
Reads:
7:20
